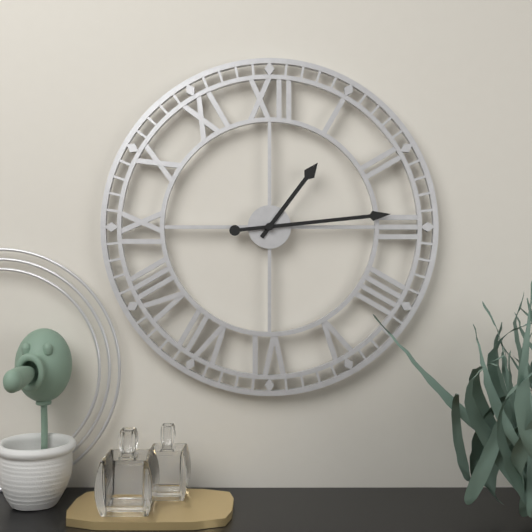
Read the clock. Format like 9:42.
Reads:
1:14
